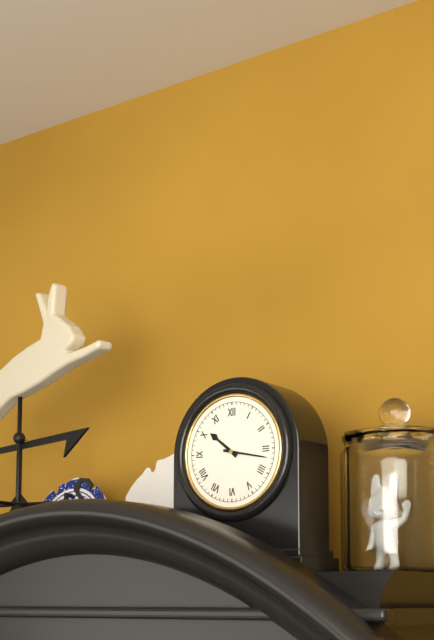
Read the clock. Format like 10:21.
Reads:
10:17
